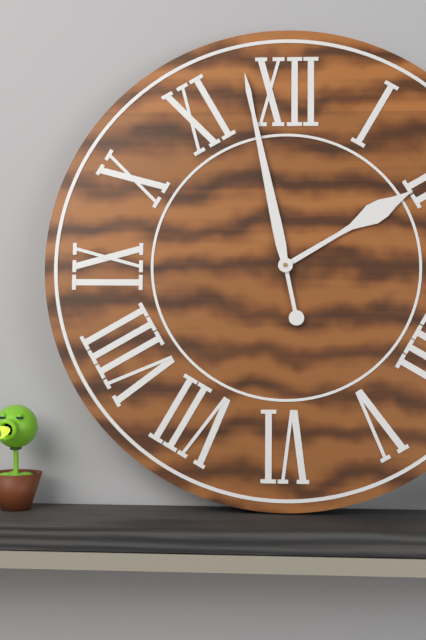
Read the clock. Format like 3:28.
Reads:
1:58
